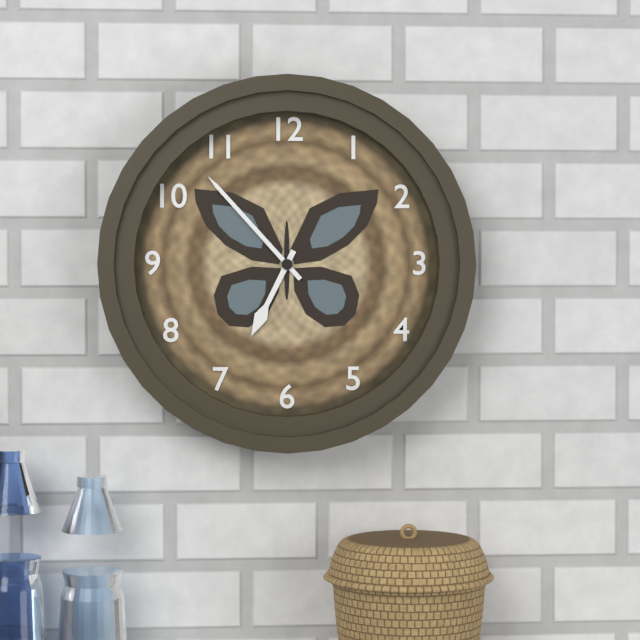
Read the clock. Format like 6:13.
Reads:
6:53
